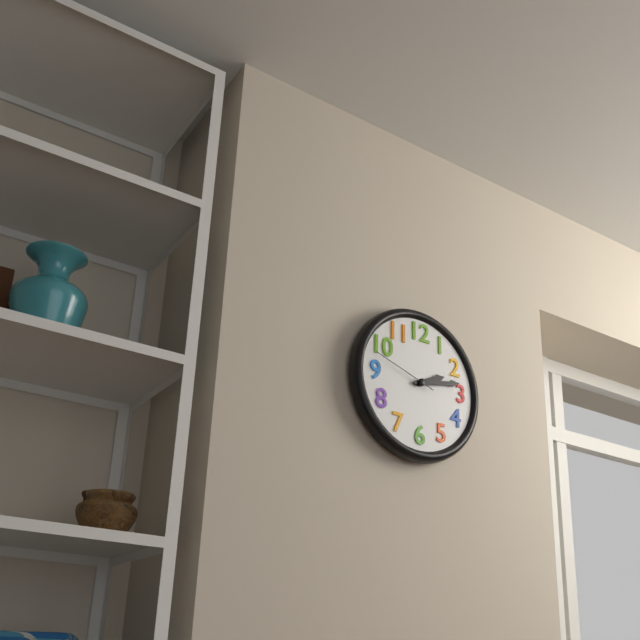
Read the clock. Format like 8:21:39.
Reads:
2:13:48
